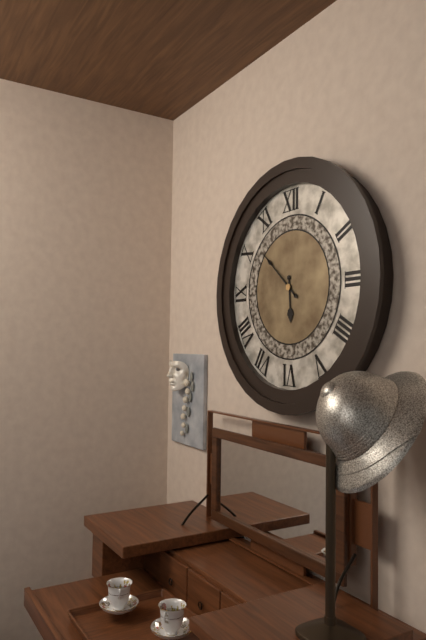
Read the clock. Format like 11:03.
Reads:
5:52
